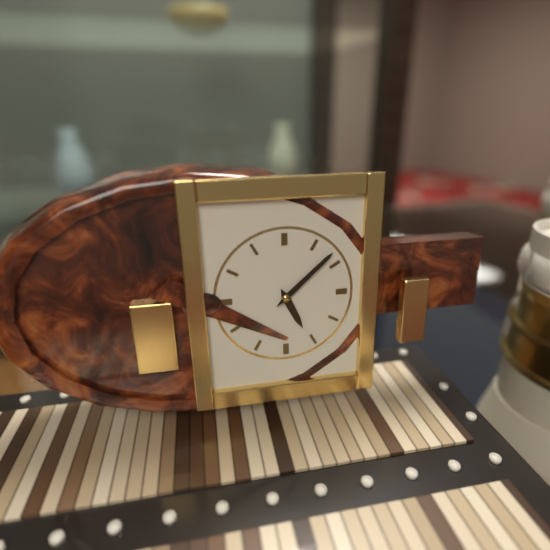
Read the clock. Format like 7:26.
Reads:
5:08
